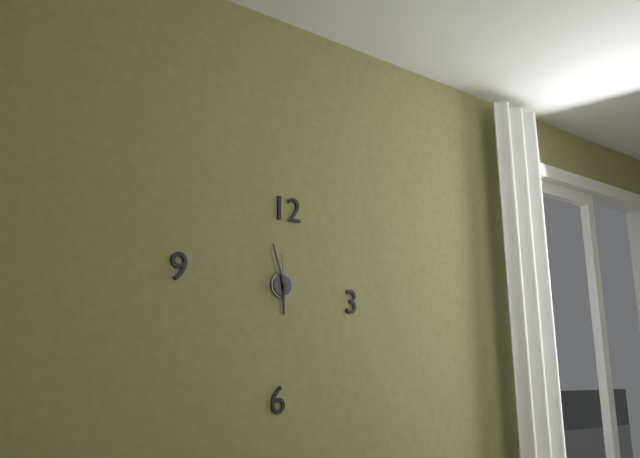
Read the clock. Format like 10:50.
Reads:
5:57
